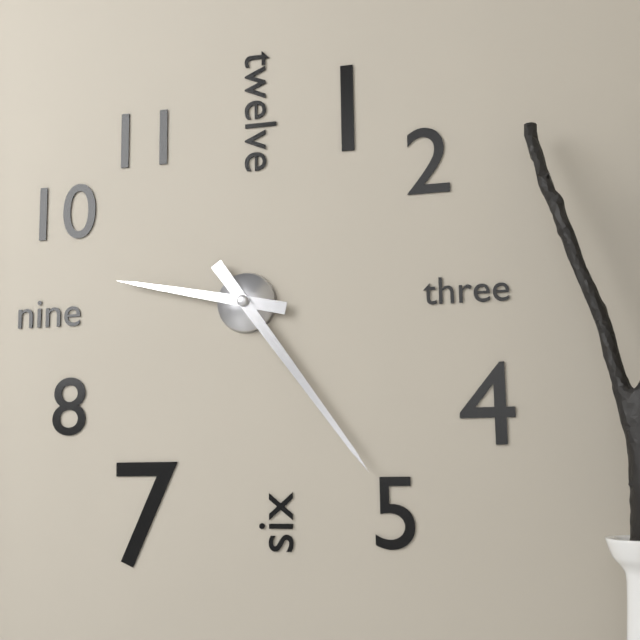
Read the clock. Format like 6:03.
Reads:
9:24
